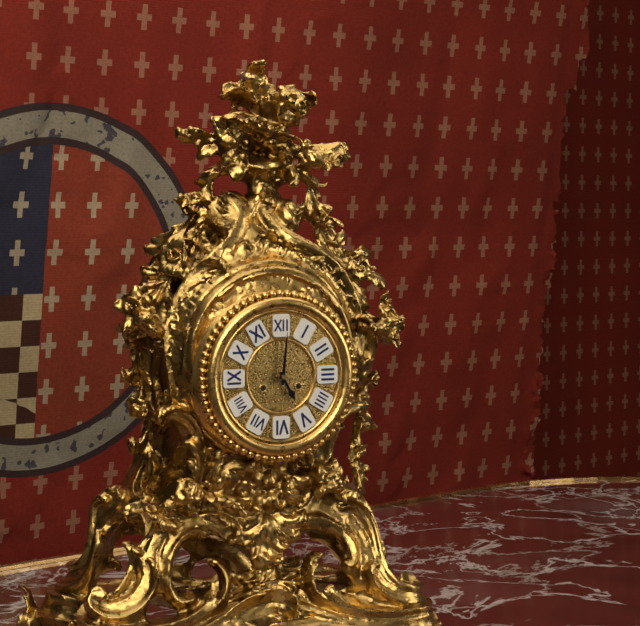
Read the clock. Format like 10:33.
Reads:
5:01
